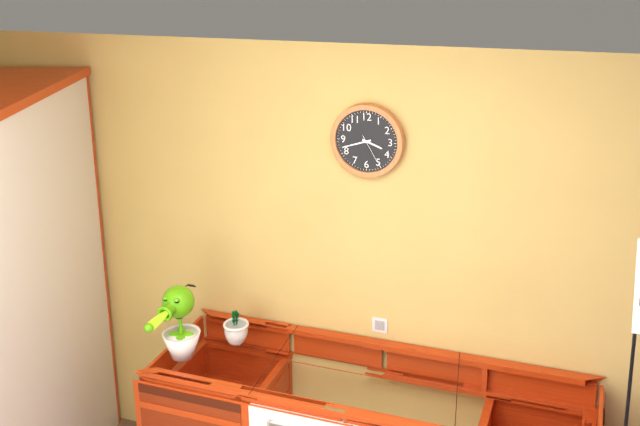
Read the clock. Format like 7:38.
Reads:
3:42
